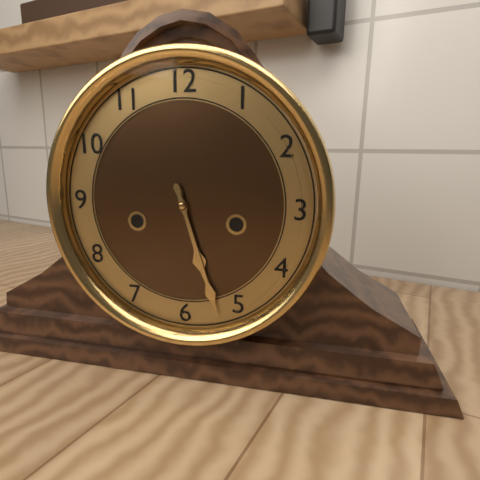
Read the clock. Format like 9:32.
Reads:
5:27
